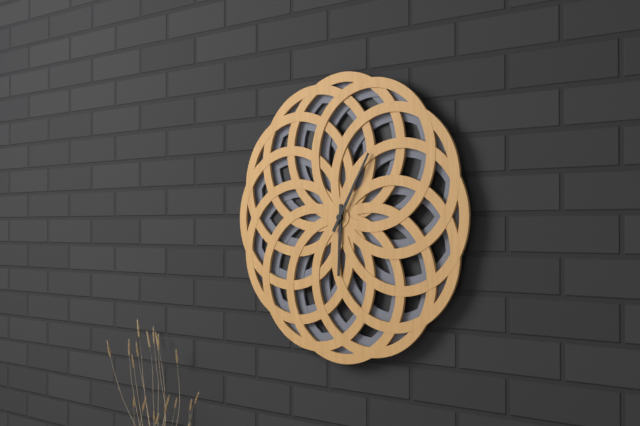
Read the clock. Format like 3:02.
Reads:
6:05
